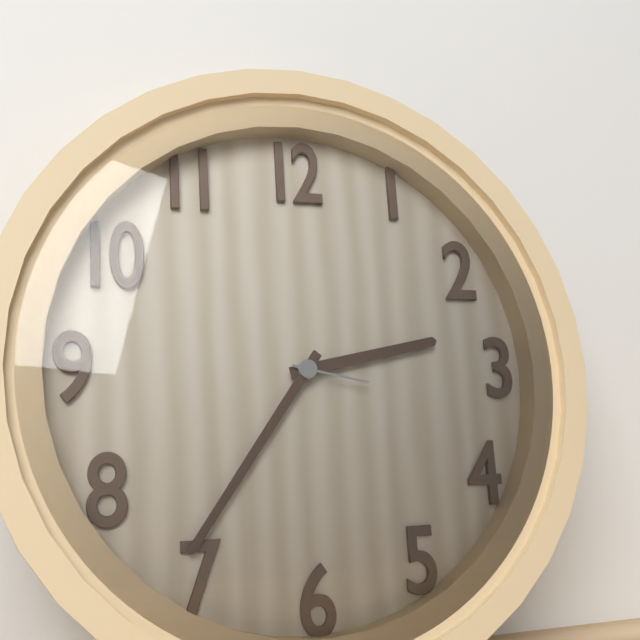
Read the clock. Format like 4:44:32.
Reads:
2:36:17
